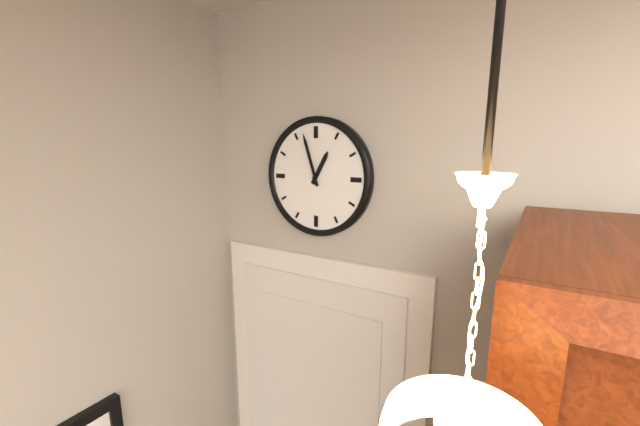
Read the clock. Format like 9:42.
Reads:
12:57
